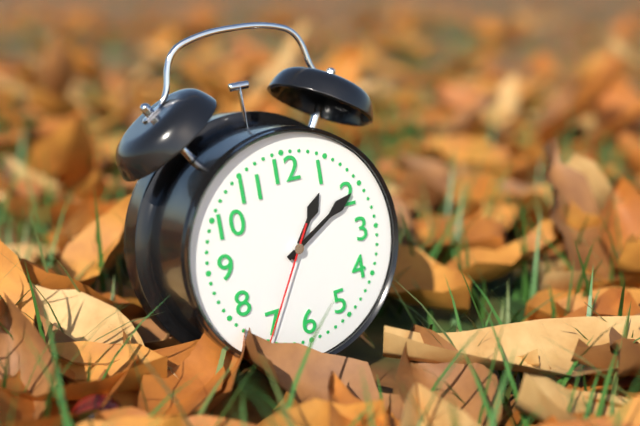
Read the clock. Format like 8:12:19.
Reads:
1:10:35
